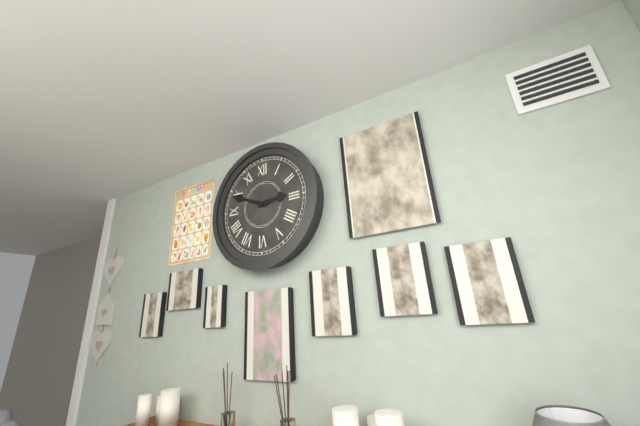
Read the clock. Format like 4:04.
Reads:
2:49
